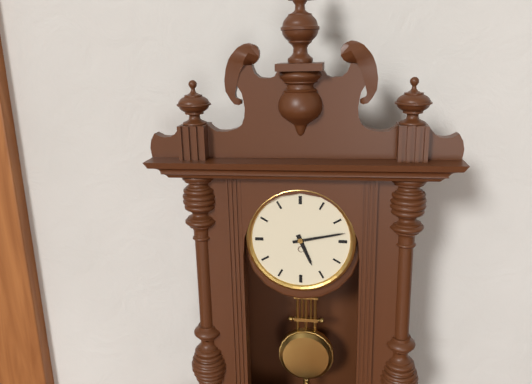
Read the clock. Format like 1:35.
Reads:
5:13
